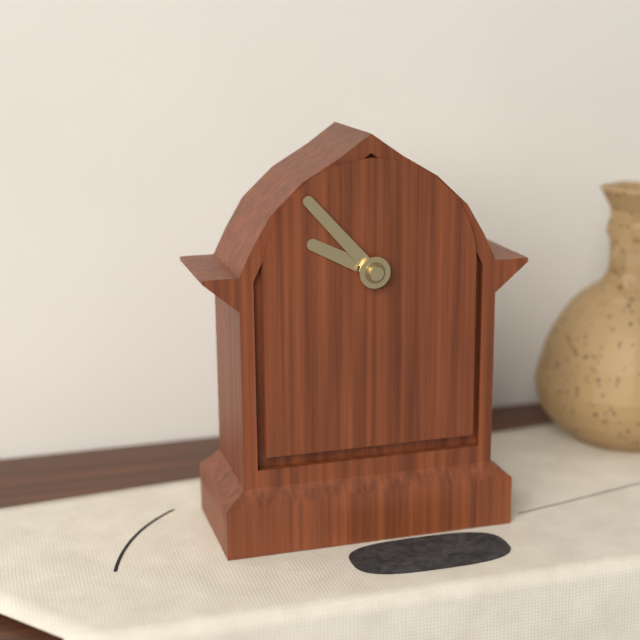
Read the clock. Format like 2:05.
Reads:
9:53
